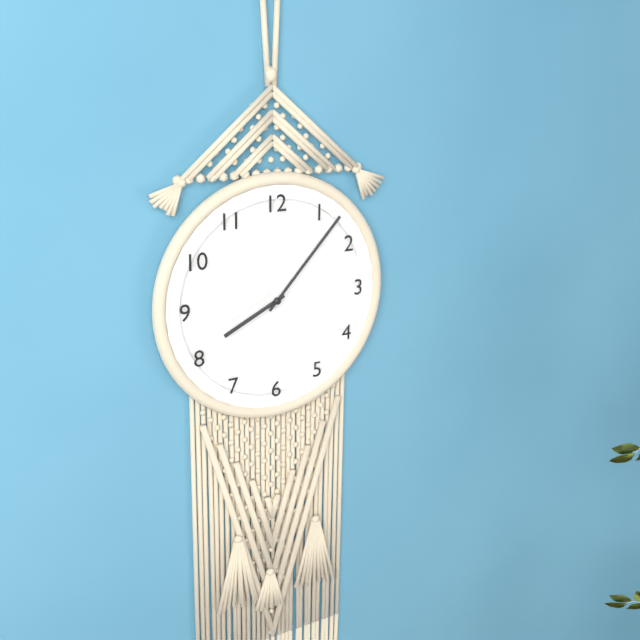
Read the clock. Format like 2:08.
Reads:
8:07
